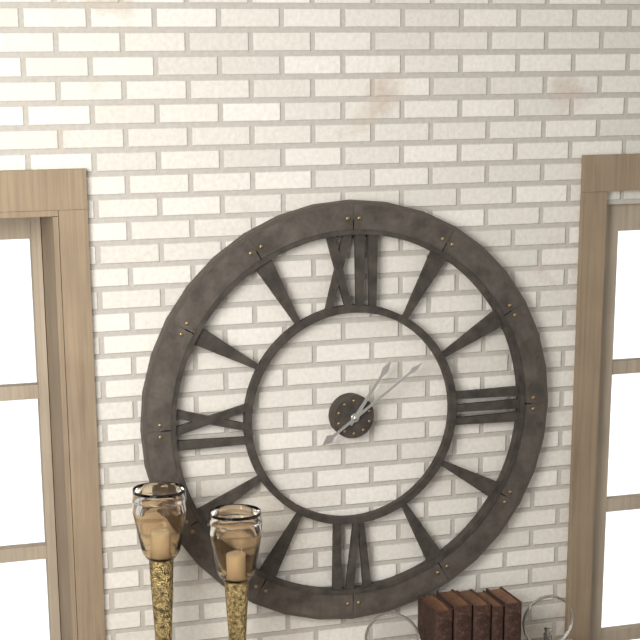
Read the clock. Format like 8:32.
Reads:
1:09
